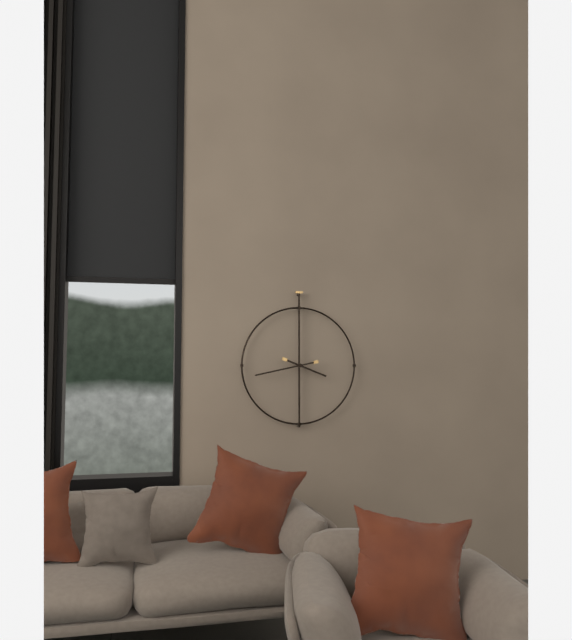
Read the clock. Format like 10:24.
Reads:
3:43
